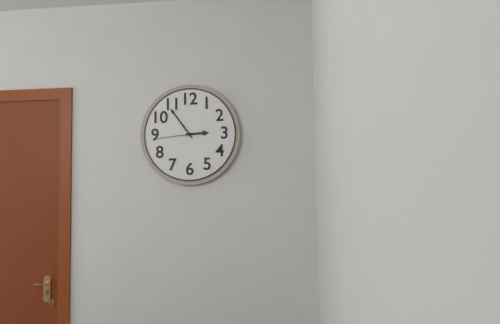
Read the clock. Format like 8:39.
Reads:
2:54
